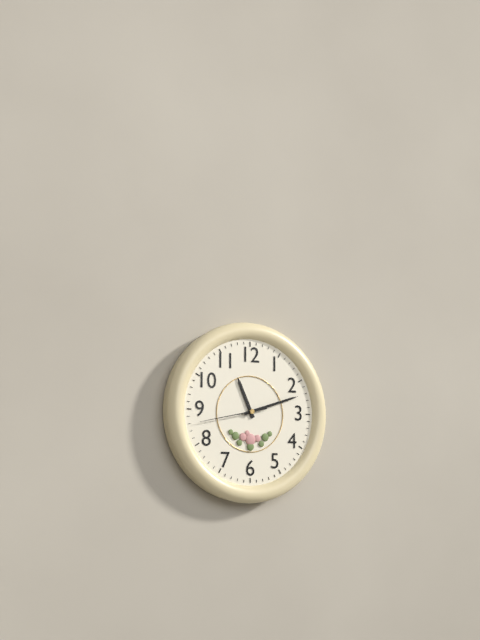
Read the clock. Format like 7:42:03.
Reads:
11:12:43
